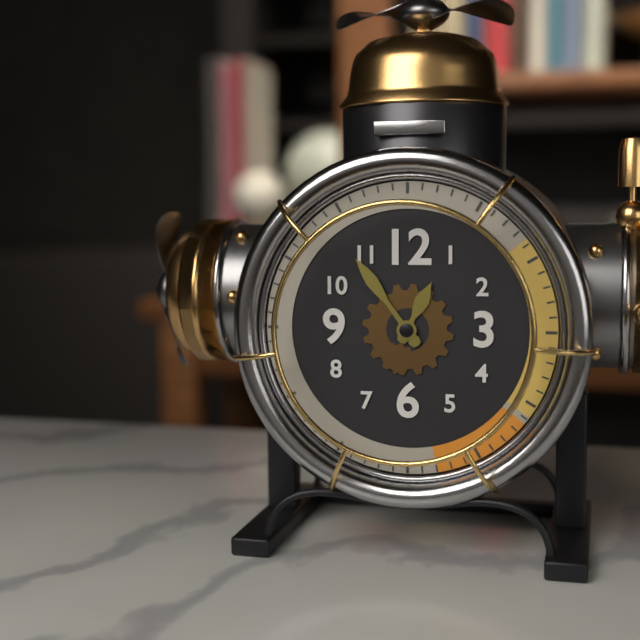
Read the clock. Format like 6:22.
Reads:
12:54
